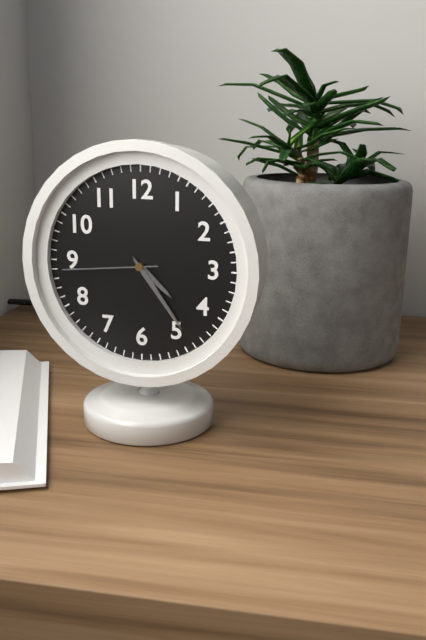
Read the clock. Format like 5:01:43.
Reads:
4:24:44
